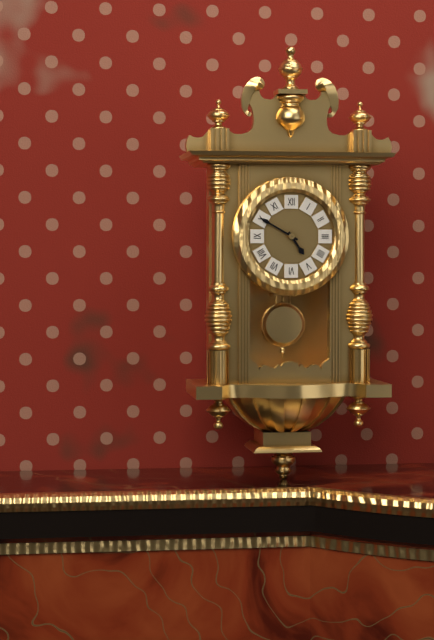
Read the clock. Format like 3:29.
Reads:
4:50
